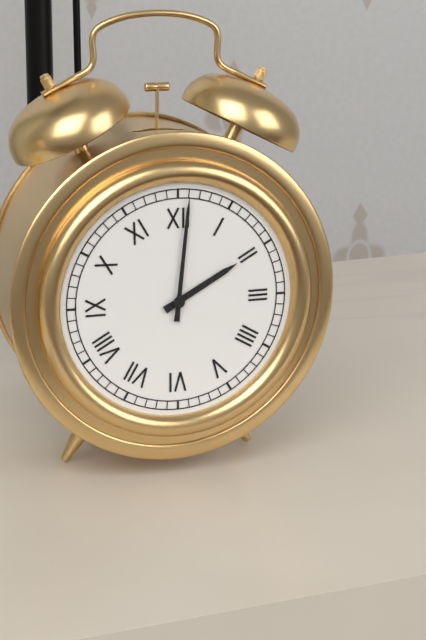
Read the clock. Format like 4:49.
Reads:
2:01
